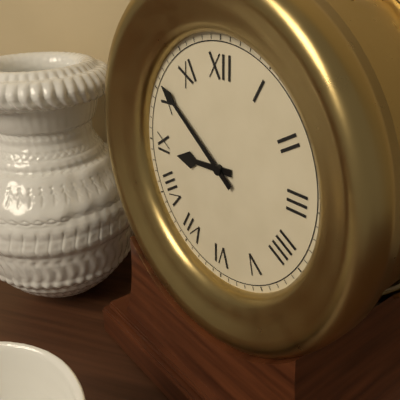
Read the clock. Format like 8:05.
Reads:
8:51
